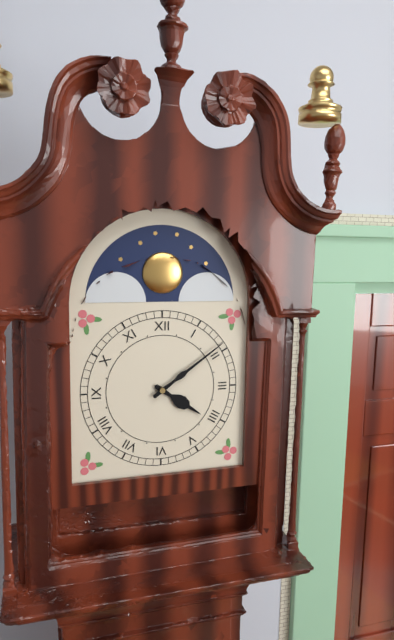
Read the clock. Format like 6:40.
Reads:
4:09
